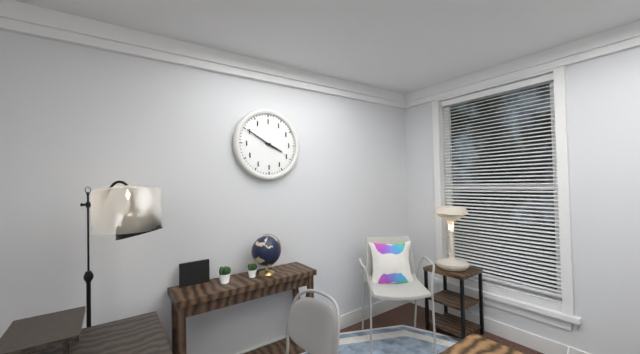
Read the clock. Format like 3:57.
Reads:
3:50
